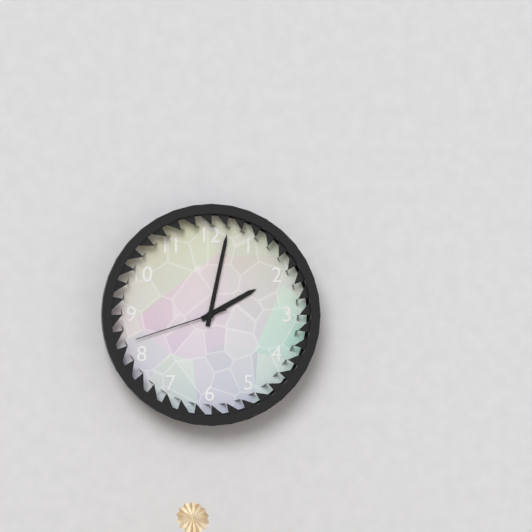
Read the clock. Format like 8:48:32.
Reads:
2:02:42
